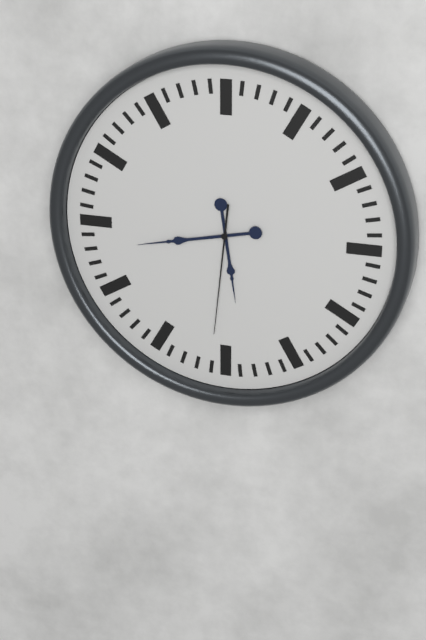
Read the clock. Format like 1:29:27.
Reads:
5:43:31
